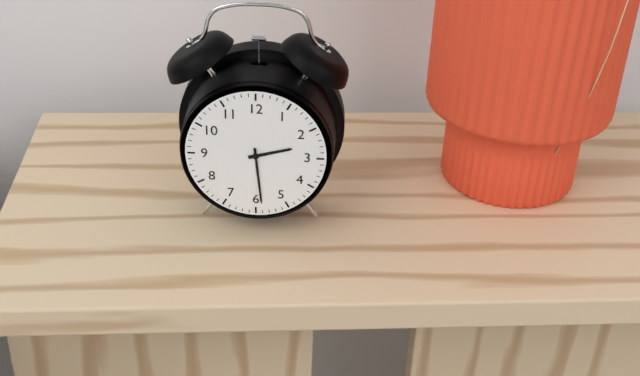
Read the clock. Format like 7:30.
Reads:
2:29
